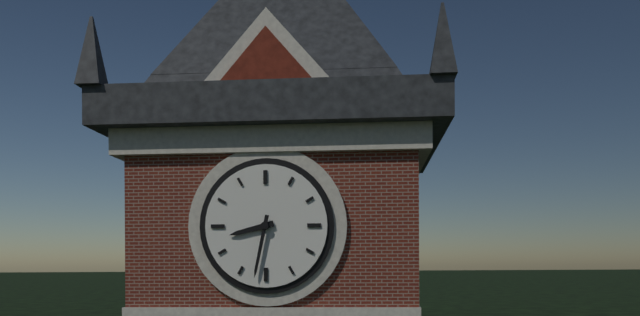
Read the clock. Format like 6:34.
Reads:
8:32
